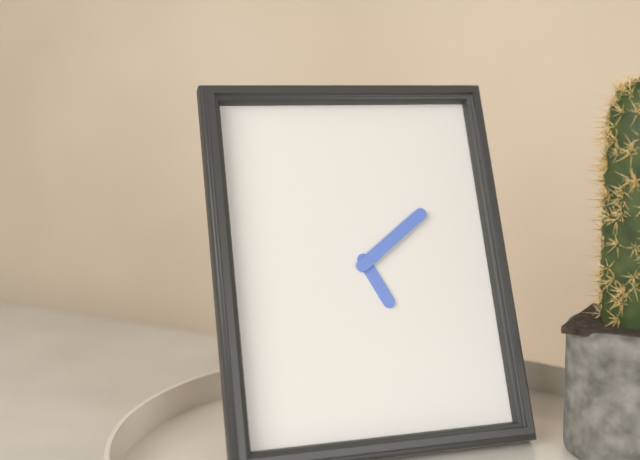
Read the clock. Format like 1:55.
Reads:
5:09
